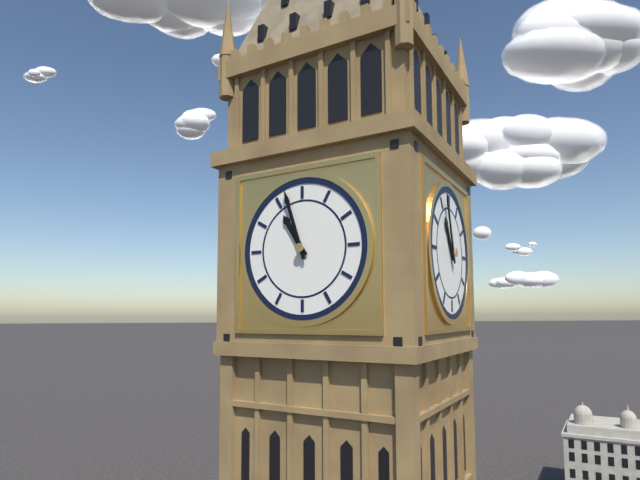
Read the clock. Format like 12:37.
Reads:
10:57
